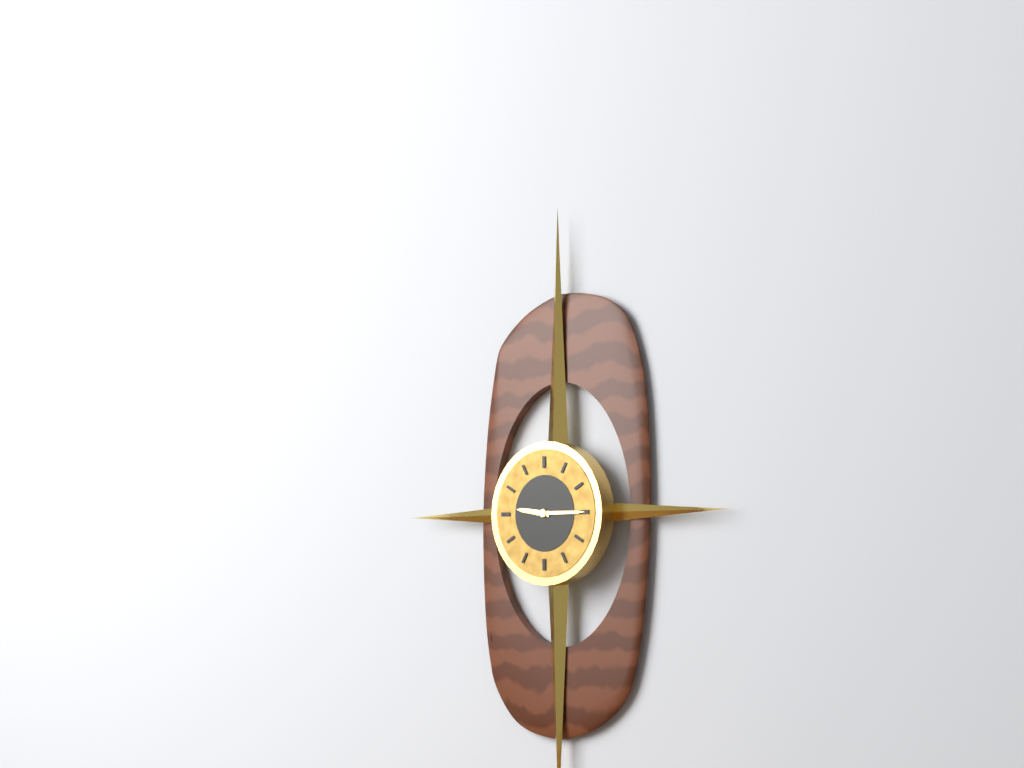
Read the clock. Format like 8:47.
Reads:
9:15
